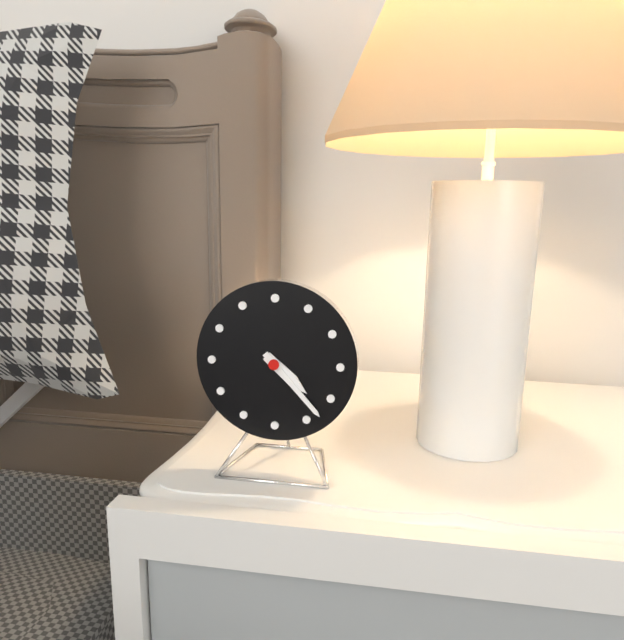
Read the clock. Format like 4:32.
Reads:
4:23
